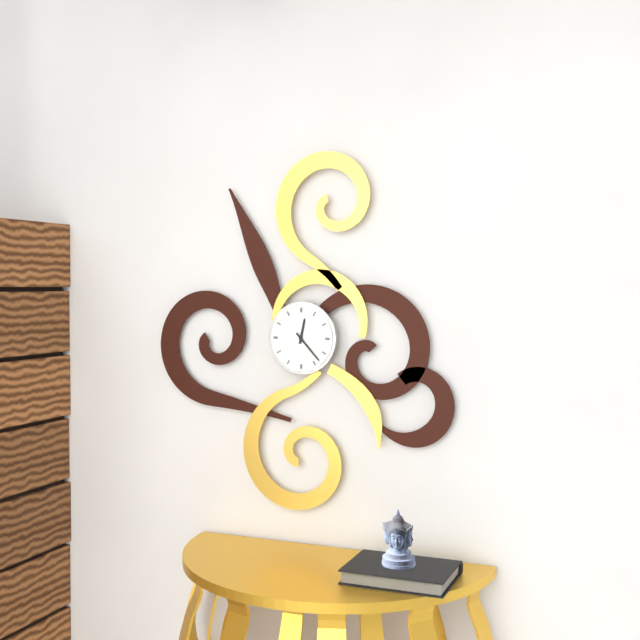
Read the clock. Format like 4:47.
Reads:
12:23
